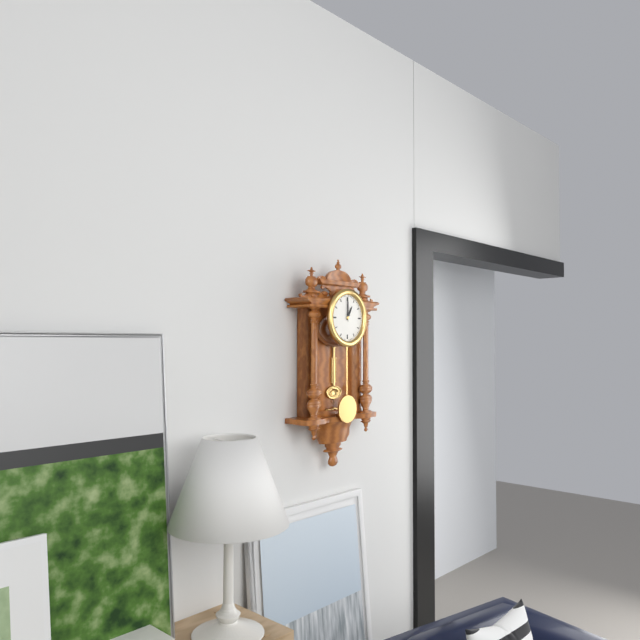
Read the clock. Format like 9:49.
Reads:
1:00
